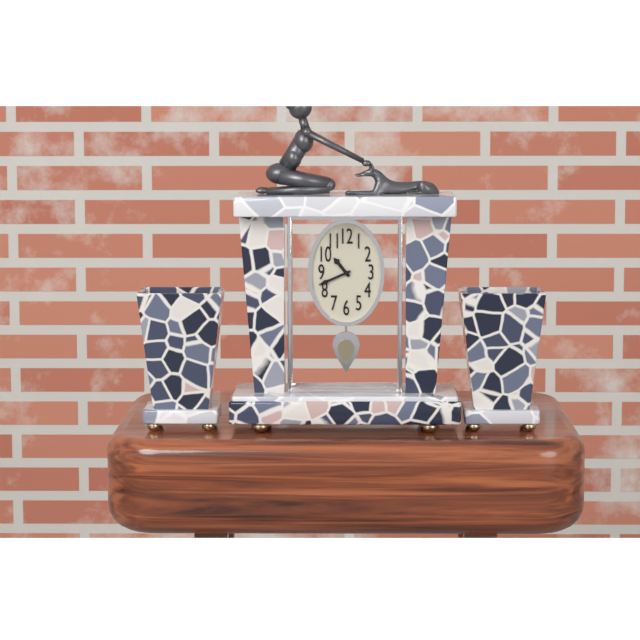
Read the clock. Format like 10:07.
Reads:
10:41
